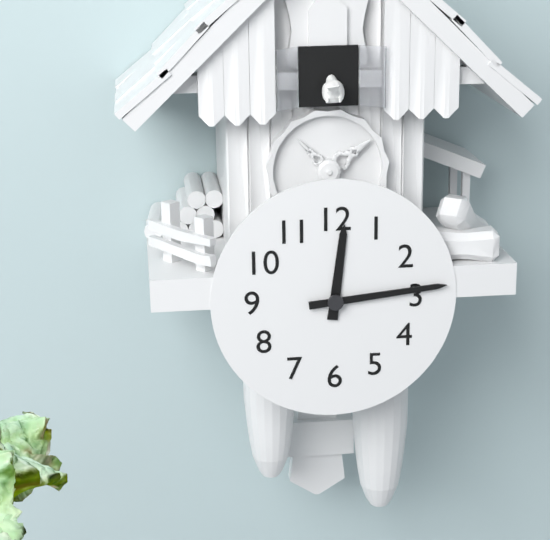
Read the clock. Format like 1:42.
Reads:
12:14
